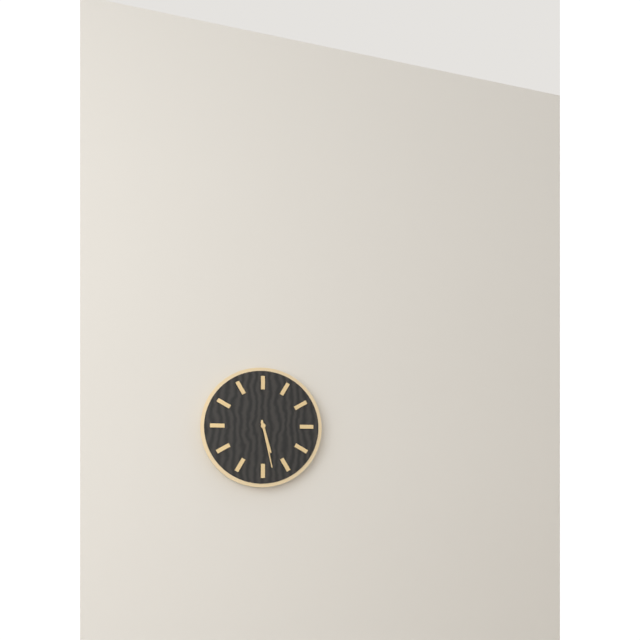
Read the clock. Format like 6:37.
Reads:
5:28
